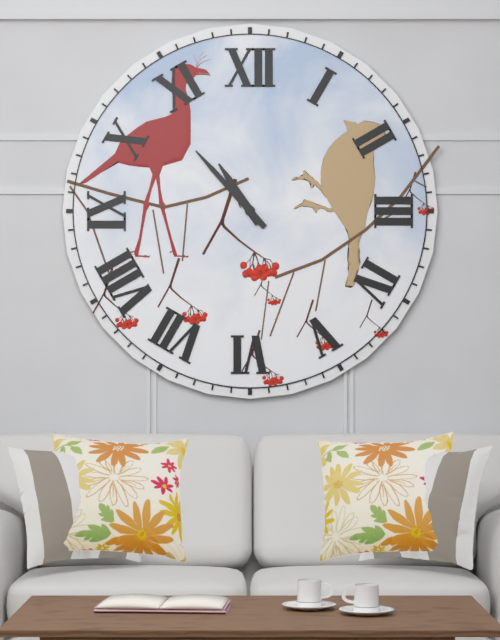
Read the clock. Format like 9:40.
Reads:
10:53
